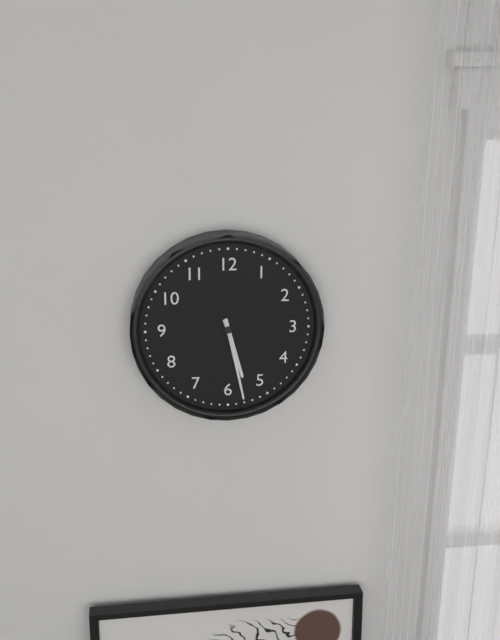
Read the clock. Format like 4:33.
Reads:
5:28
